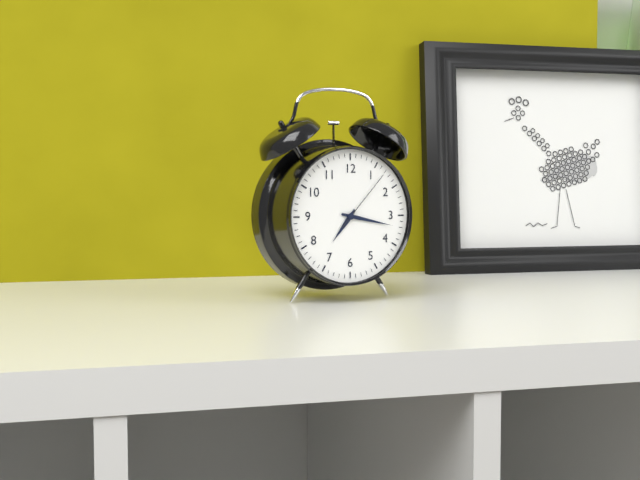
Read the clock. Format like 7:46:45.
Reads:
7:17:07
